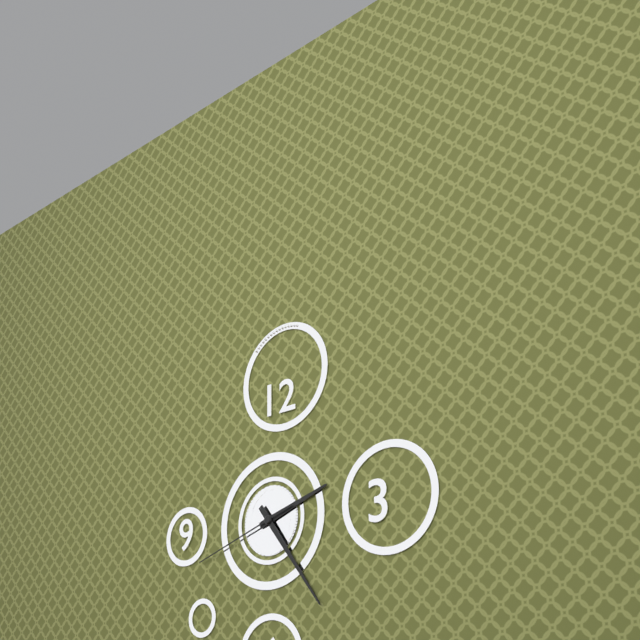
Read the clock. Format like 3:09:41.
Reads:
2:24:42
